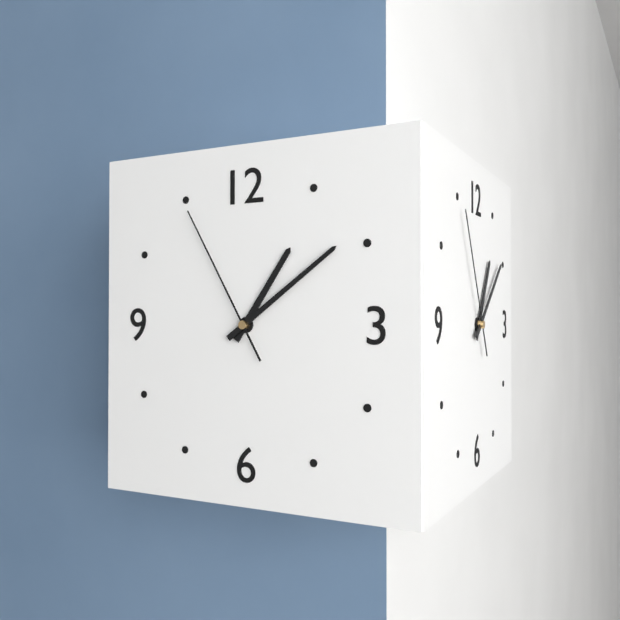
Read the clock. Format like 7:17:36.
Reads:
1:09:55
